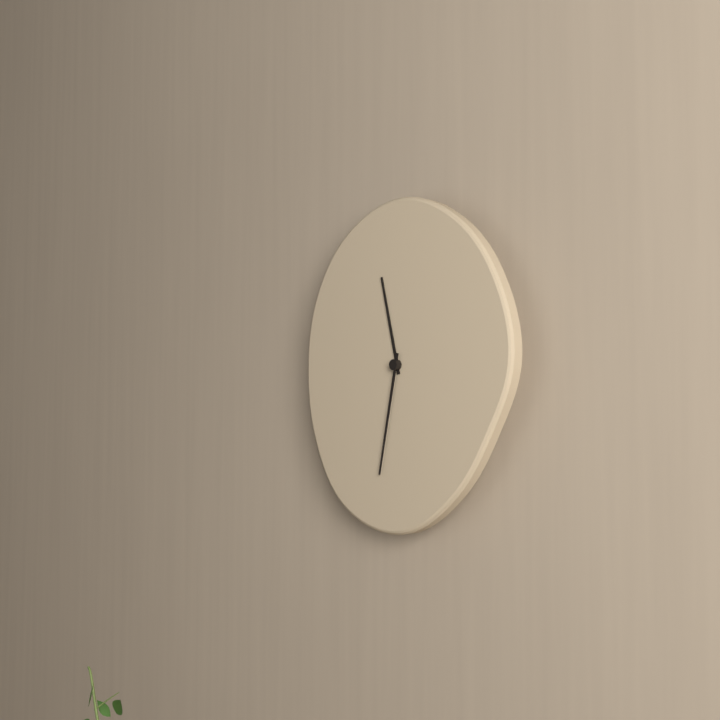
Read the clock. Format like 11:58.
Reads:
11:32
